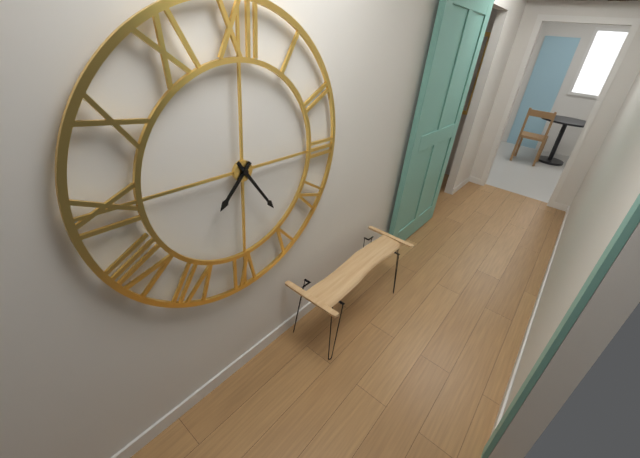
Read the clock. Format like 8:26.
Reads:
7:24
